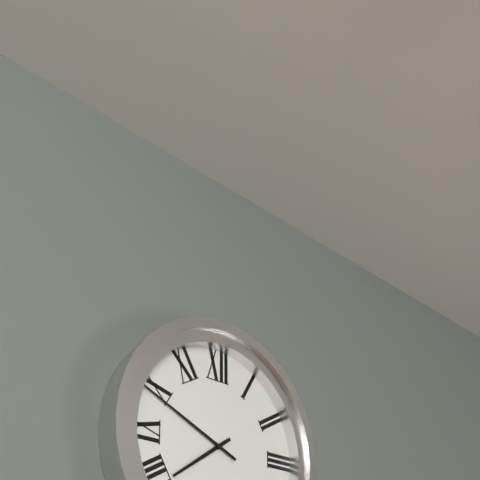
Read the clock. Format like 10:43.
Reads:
7:49
